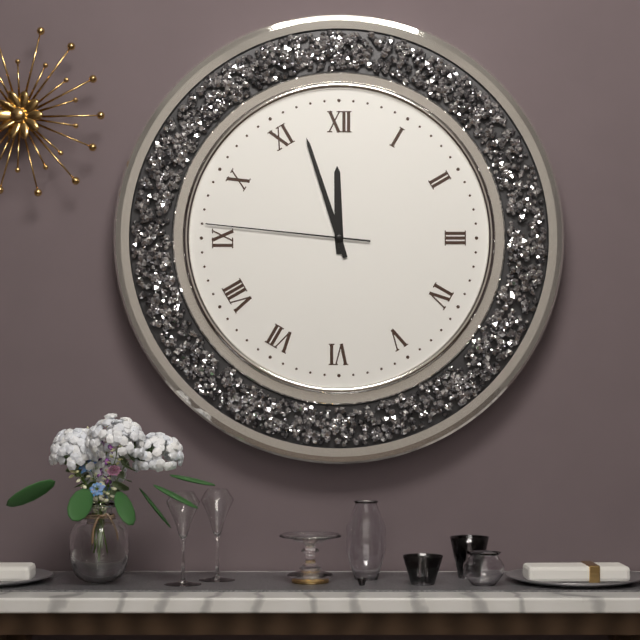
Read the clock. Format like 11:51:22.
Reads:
11:57:46
